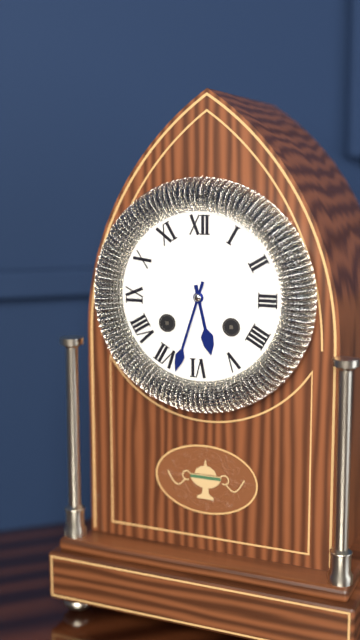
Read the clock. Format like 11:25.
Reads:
5:33
